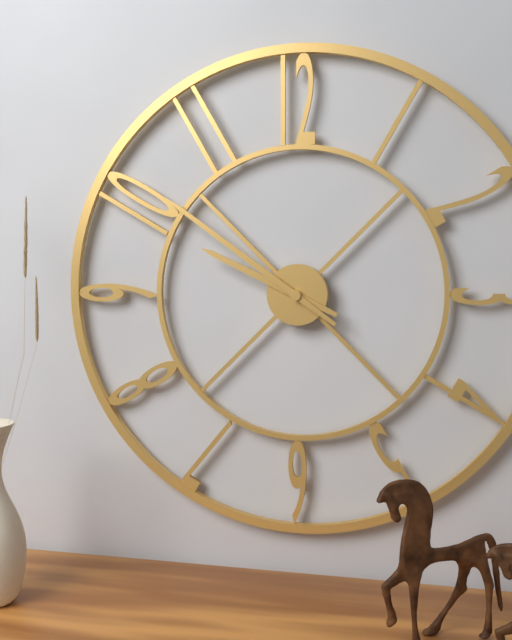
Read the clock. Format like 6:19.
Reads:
9:51
